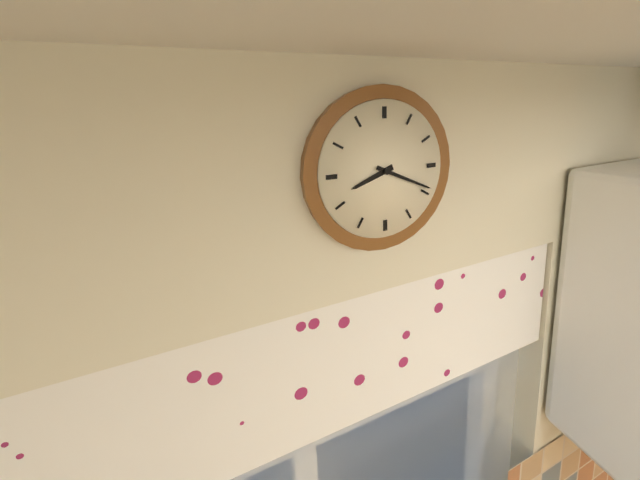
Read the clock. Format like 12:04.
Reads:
8:19
